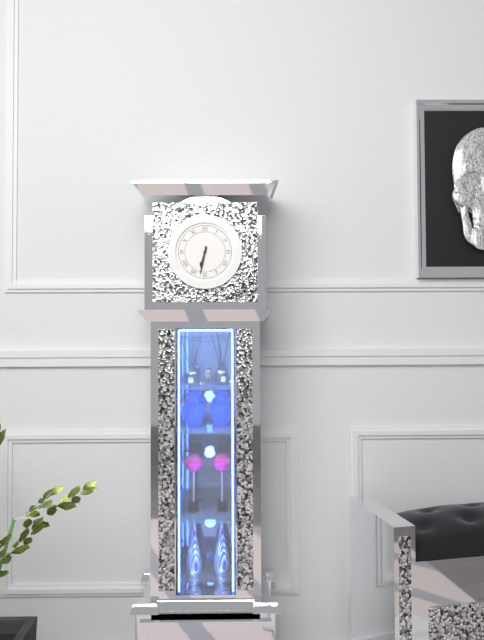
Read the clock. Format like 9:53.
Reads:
6:32
